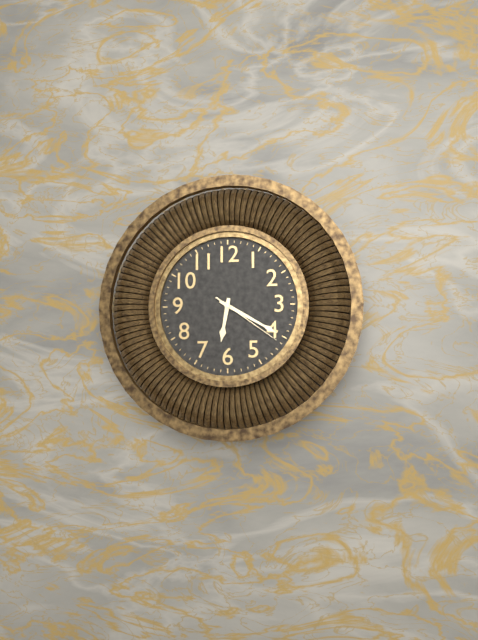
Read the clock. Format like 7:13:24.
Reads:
6:20:21
